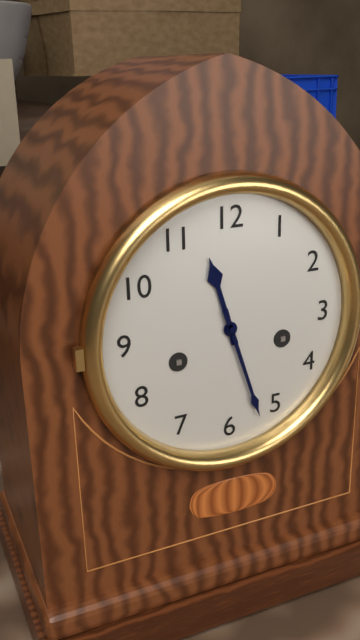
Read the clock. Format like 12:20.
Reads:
11:27
